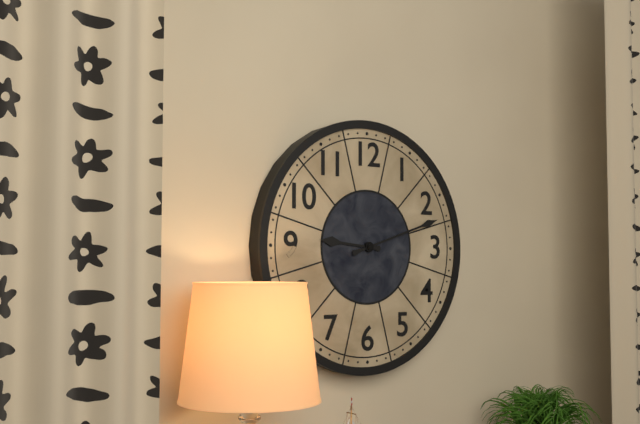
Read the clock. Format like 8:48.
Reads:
9:12
